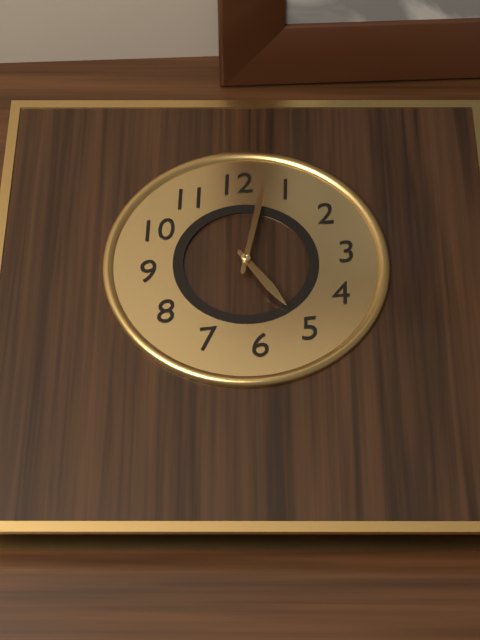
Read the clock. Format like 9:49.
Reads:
5:03
